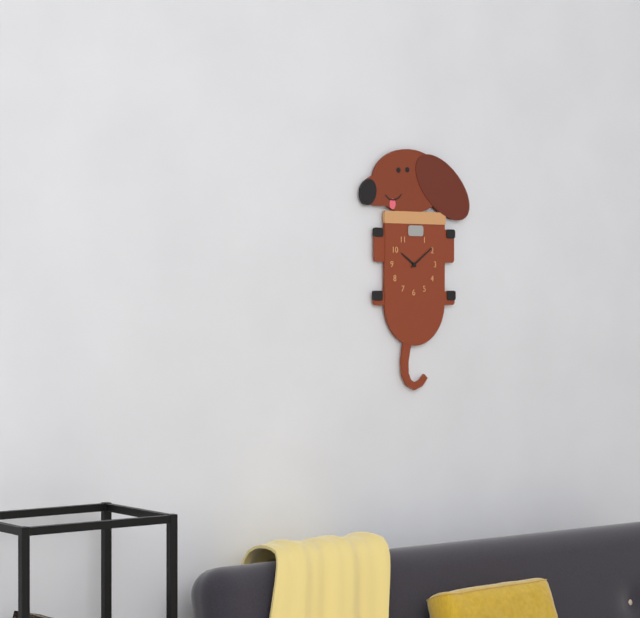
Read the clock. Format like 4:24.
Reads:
10:09
